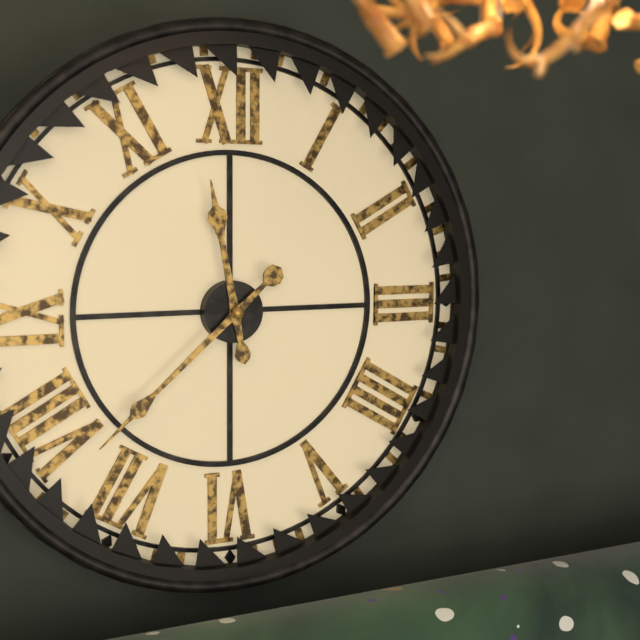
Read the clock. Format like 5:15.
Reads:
11:38
